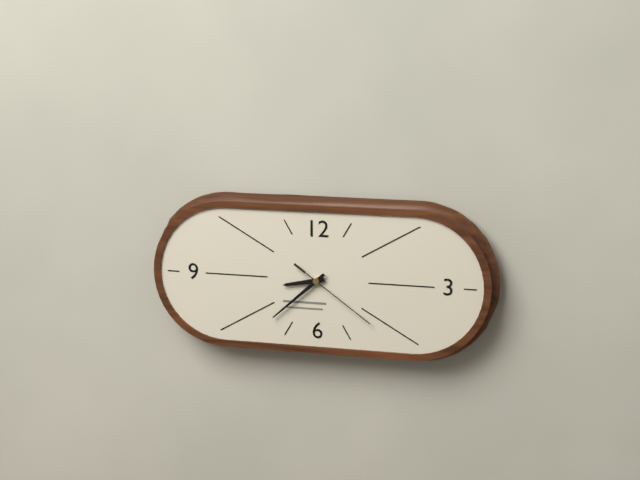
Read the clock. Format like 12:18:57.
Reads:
8:38:21
